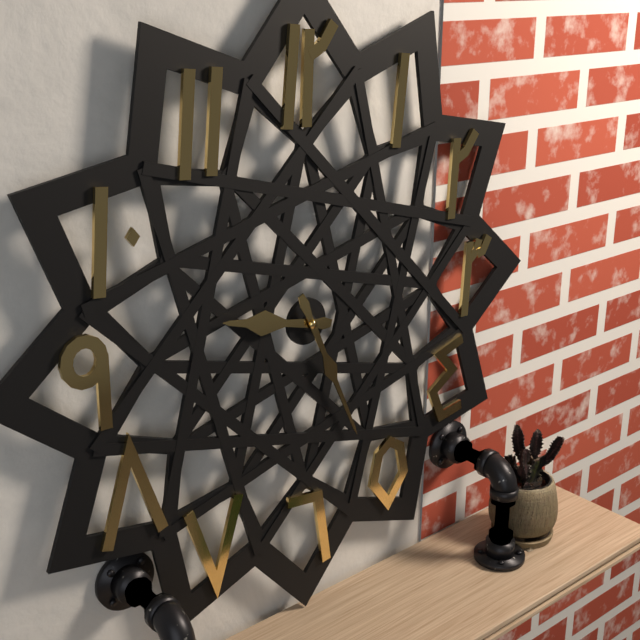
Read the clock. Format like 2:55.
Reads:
9:26
